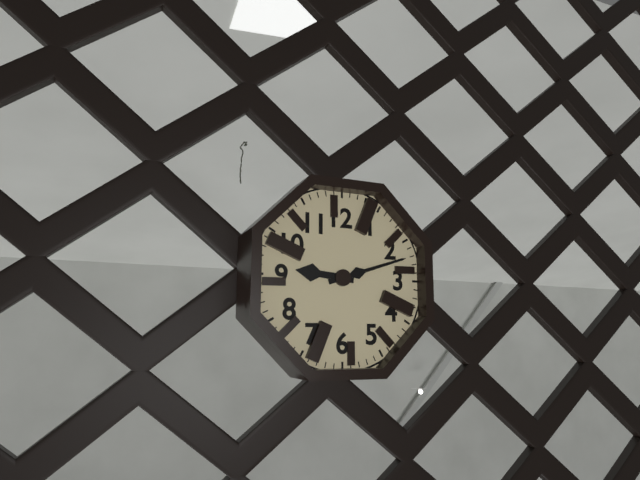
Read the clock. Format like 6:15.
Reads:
9:12
